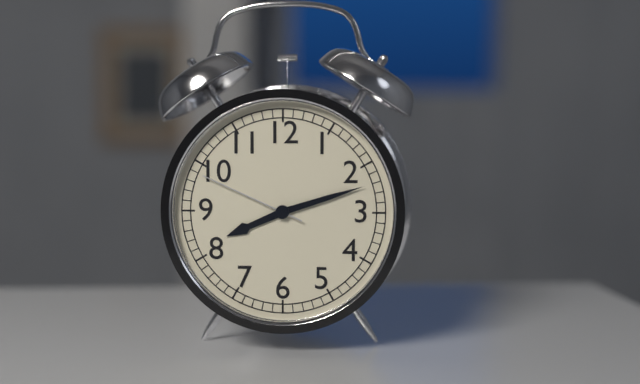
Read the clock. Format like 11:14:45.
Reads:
8:12:49
